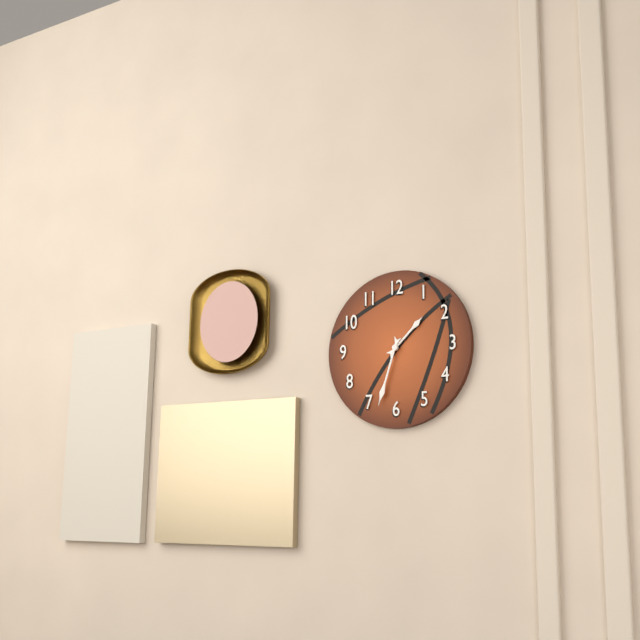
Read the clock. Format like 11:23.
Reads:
1:33
